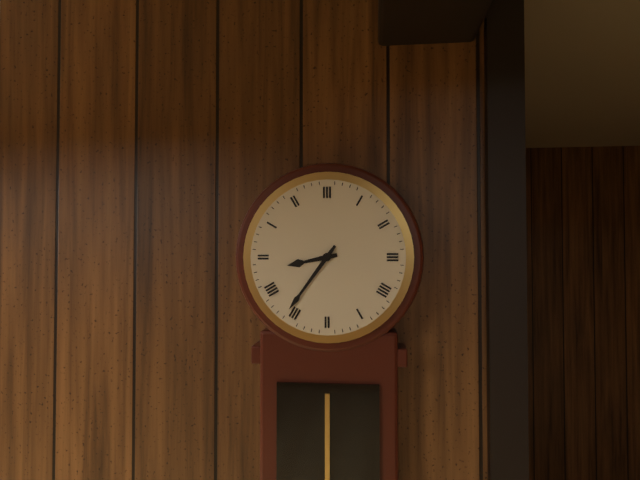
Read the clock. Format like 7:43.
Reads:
8:36
